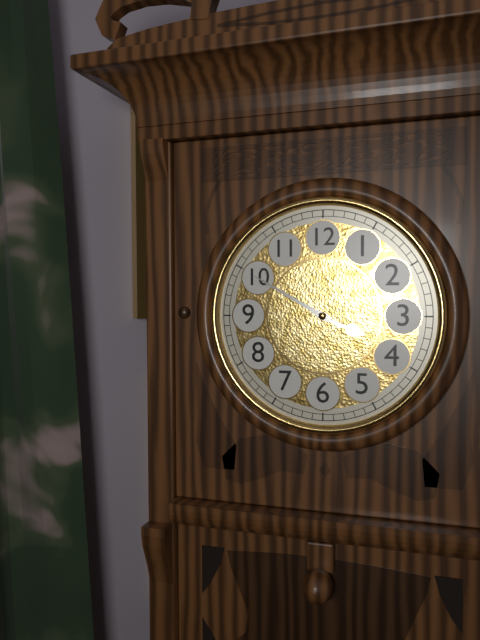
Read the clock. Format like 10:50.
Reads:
3:50
